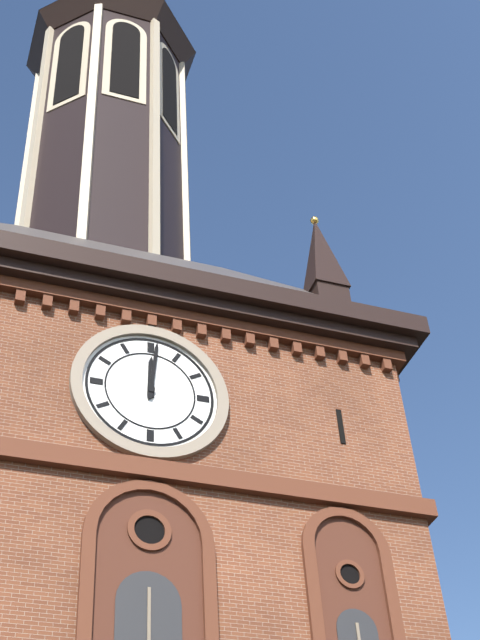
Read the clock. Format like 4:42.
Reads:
12:01
